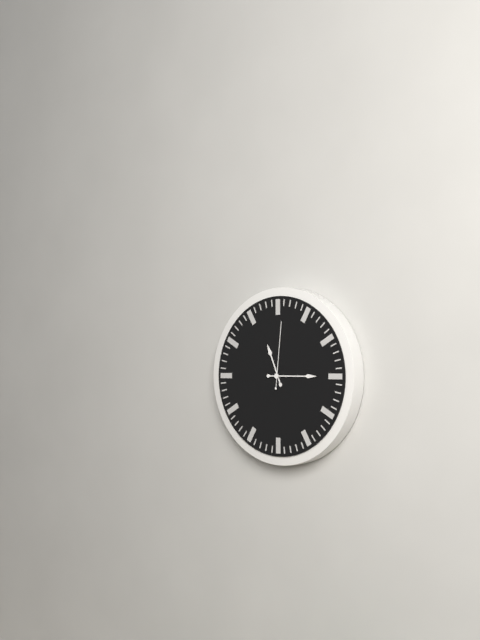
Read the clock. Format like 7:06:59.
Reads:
11:15:01
